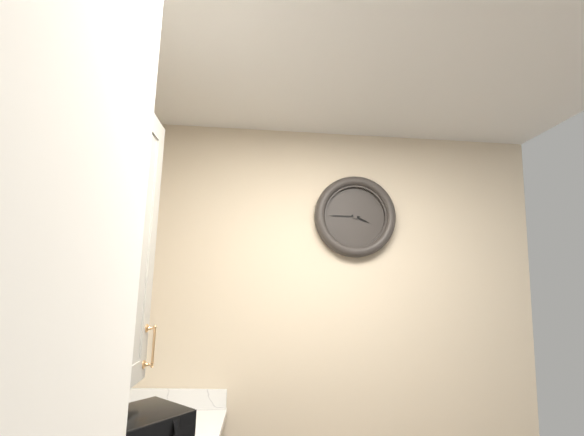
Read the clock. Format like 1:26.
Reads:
3:45
